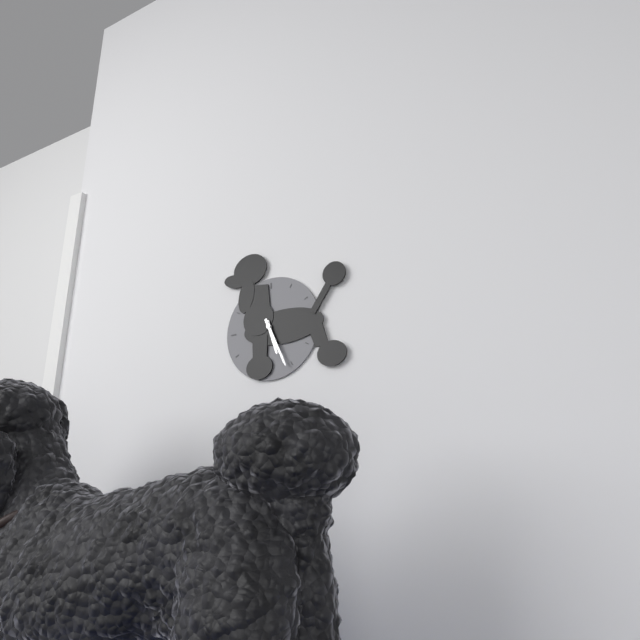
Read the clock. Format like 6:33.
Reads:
5:26
